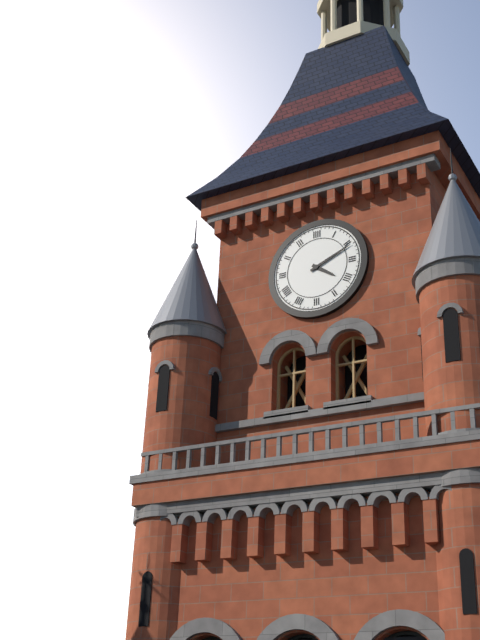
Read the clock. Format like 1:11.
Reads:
4:11
